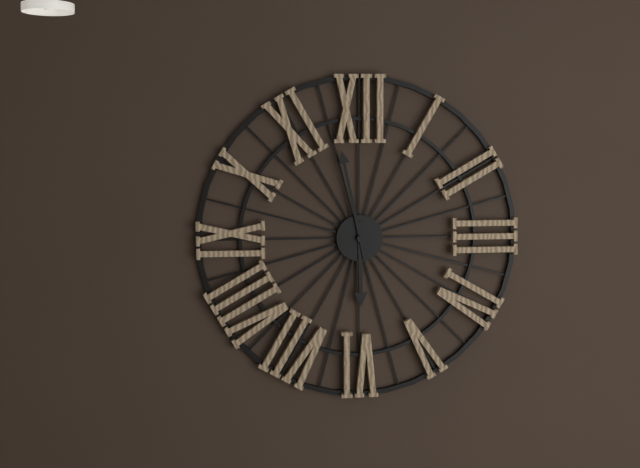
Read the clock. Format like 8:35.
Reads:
5:58
